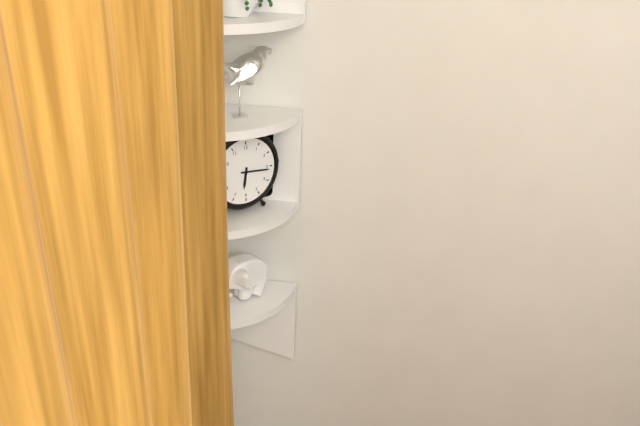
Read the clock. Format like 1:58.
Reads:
6:16
